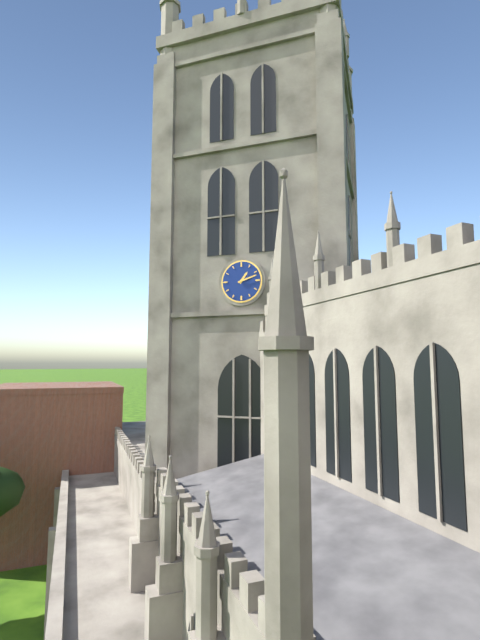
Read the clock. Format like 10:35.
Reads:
1:12
